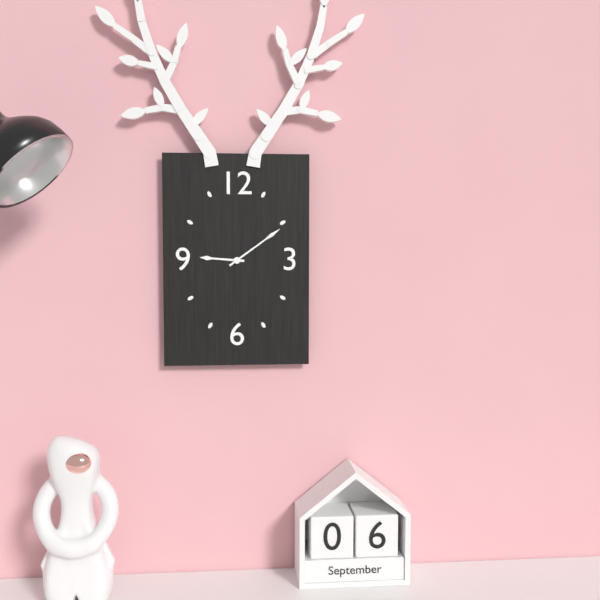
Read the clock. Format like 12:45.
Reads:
9:09
